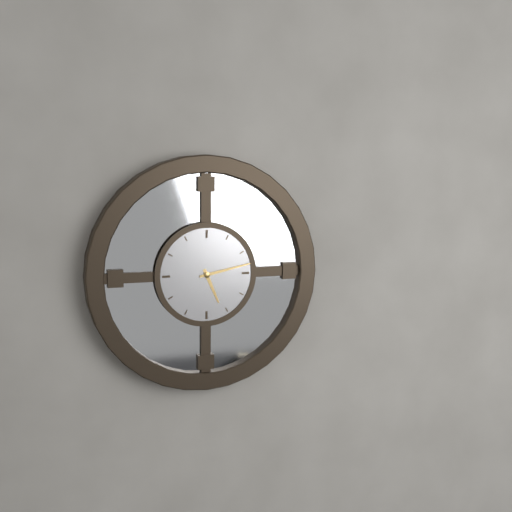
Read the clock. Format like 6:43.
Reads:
5:13
